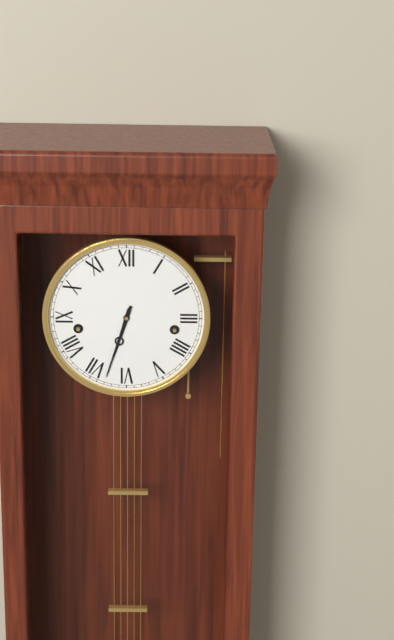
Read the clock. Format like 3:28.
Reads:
6:33
